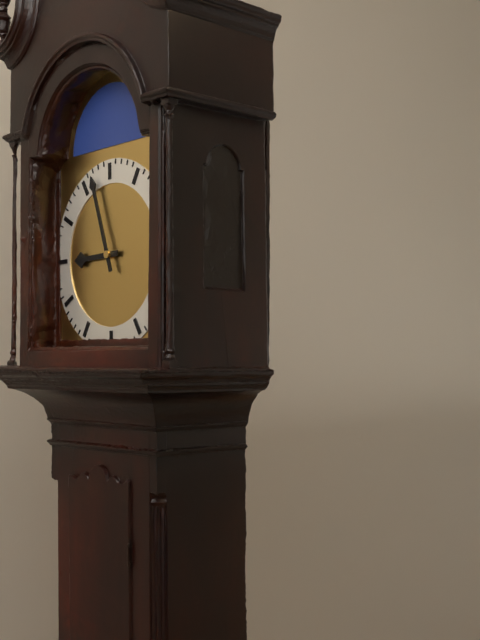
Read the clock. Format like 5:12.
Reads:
8:57
